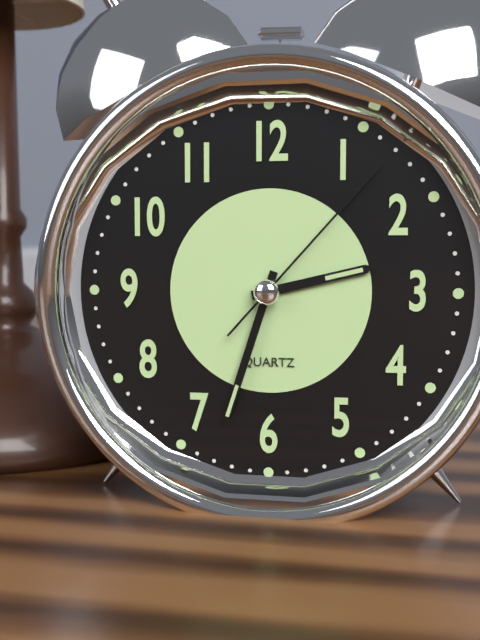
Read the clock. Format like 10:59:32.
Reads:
2:33:07
